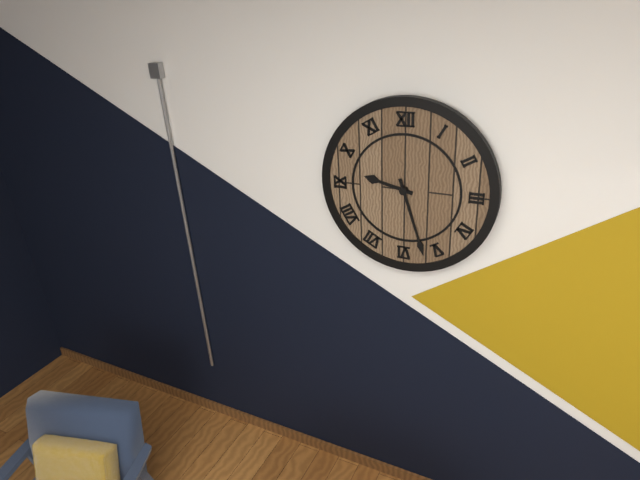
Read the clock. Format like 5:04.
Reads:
9:27
